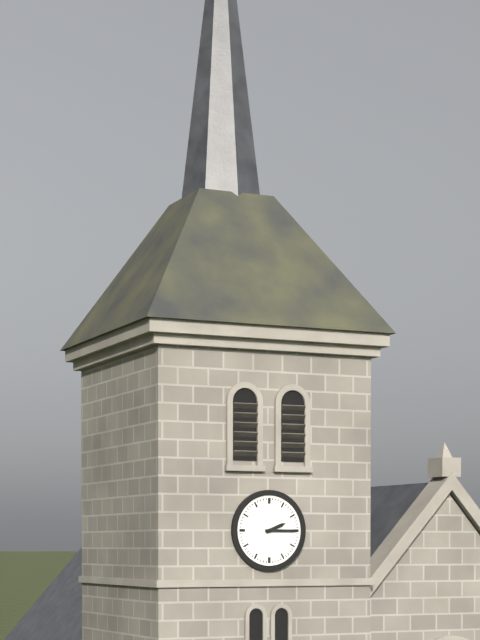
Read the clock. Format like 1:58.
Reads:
2:15
